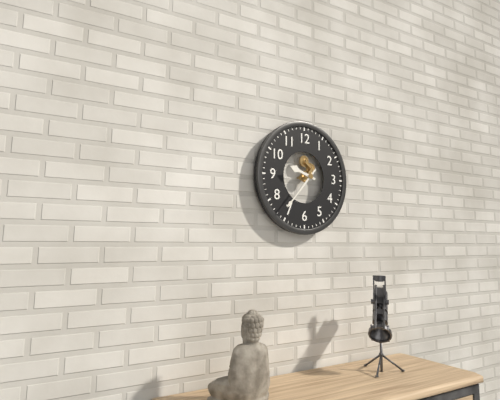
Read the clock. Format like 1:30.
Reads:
9:37
